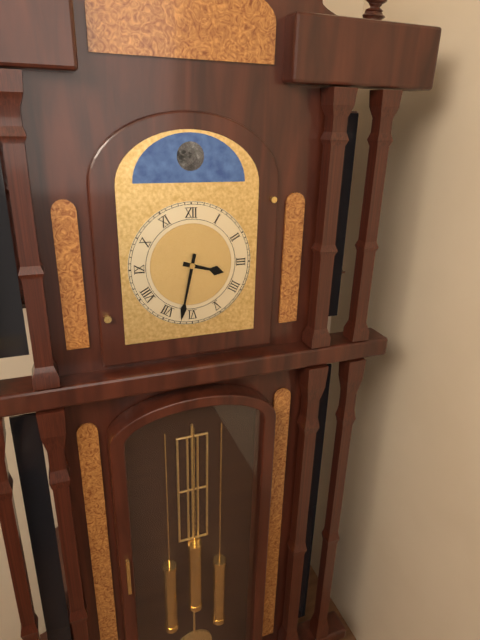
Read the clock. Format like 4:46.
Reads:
3:32
